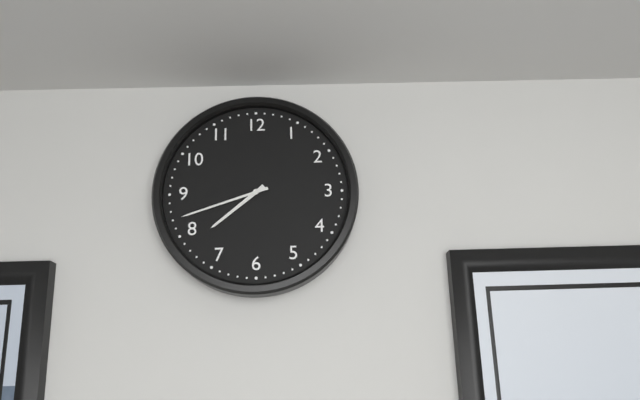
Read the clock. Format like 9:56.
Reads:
7:42
